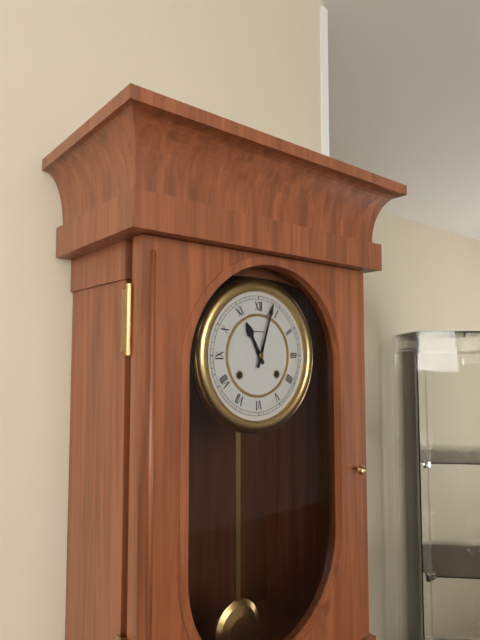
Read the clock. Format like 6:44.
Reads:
11:03
